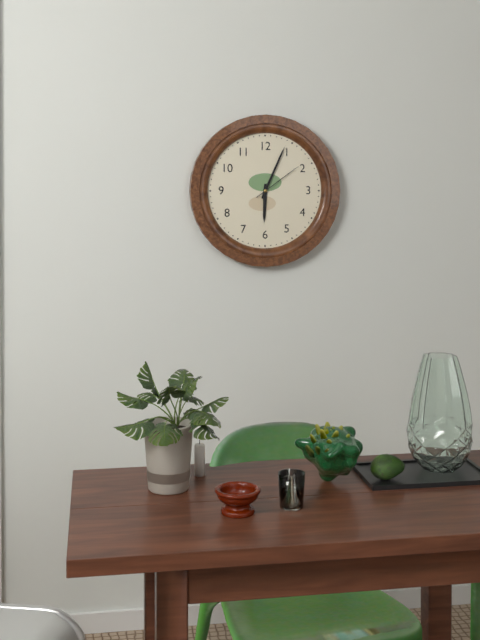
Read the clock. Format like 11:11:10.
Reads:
6:04:09
